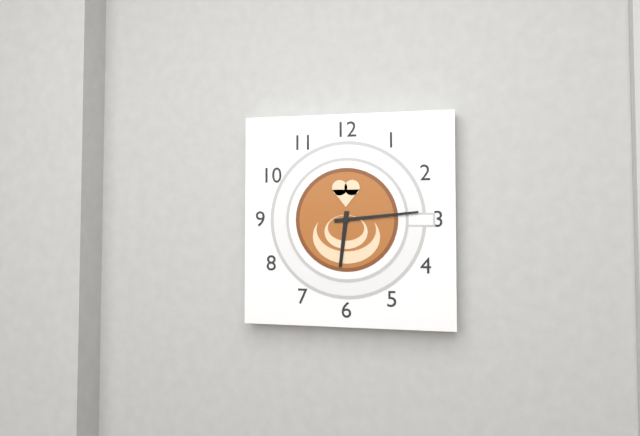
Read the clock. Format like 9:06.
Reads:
6:14
